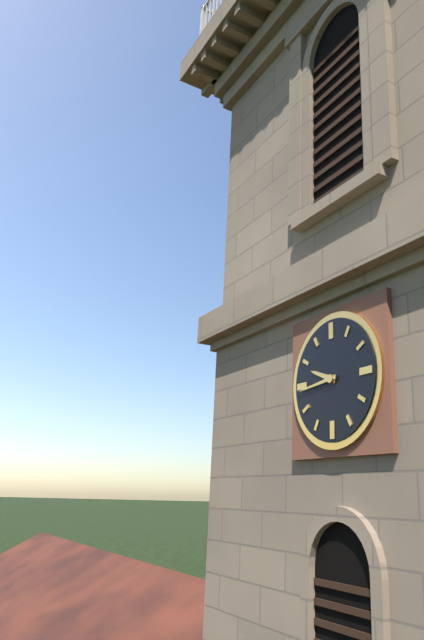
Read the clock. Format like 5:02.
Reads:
9:44
